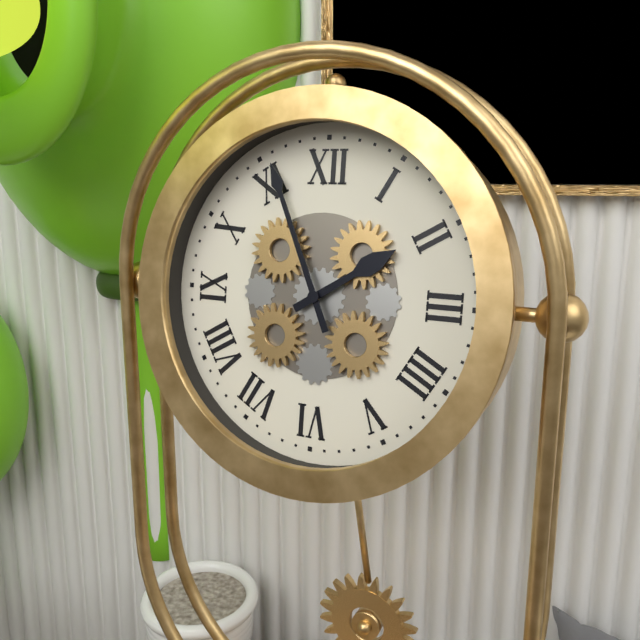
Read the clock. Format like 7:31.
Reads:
1:56
